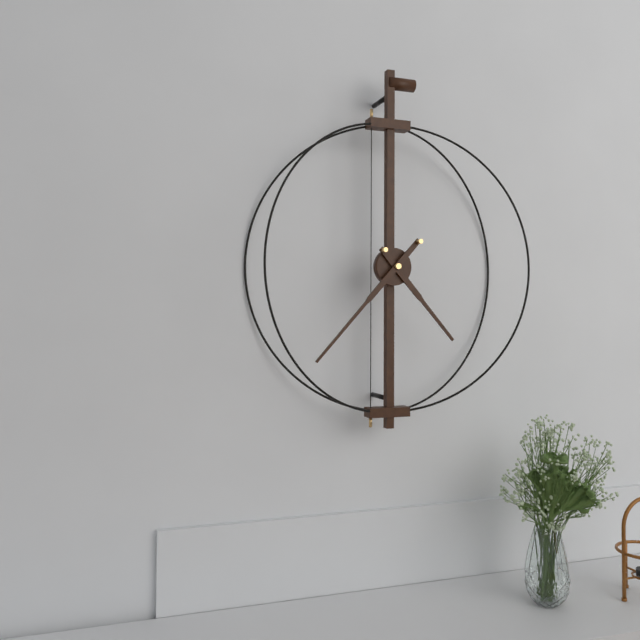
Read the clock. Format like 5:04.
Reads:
4:37
